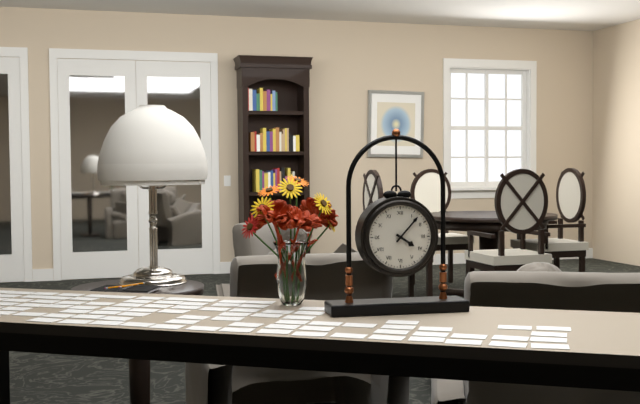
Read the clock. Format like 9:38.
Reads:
4:07
